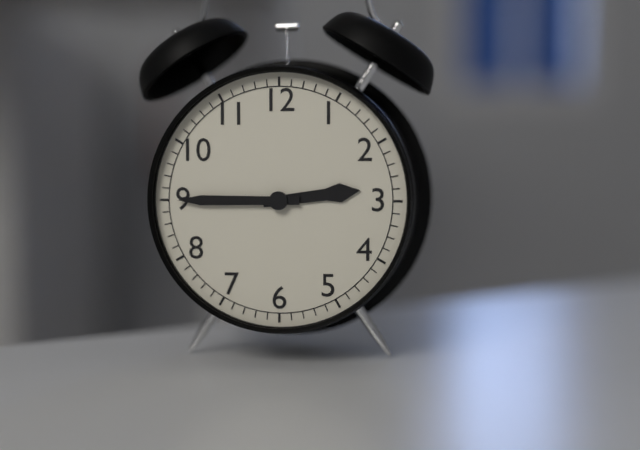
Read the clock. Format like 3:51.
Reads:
2:45
